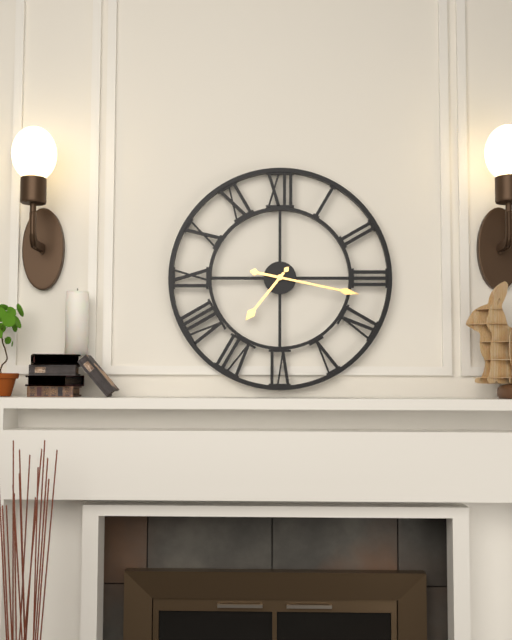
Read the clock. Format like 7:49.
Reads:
7:17
